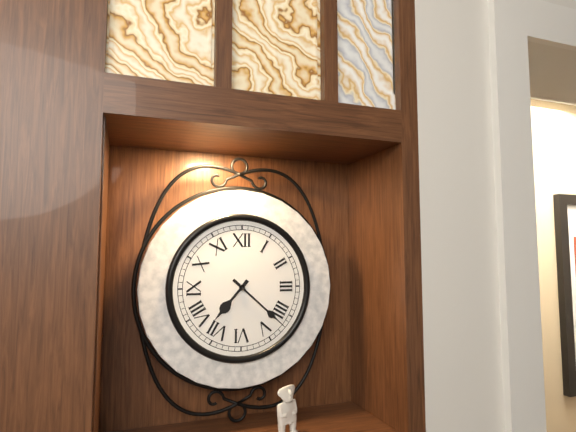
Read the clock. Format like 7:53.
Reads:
7:22
